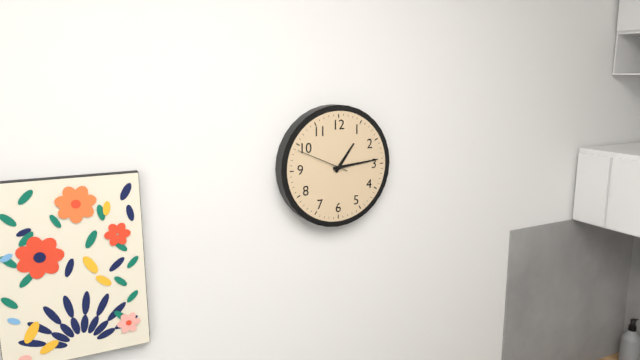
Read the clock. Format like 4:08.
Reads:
1:14
